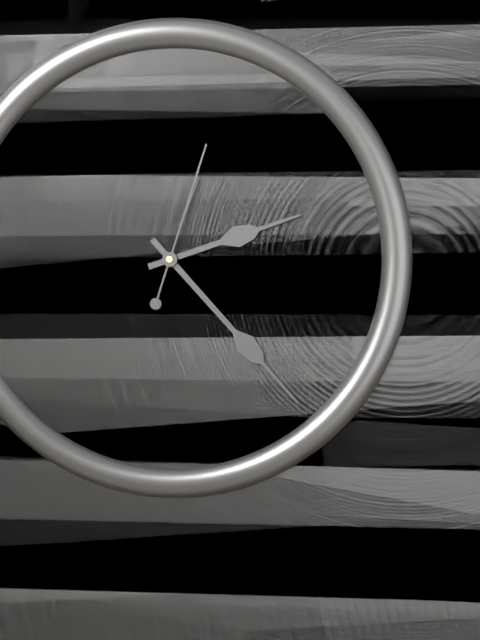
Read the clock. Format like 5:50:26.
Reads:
2:23:03
